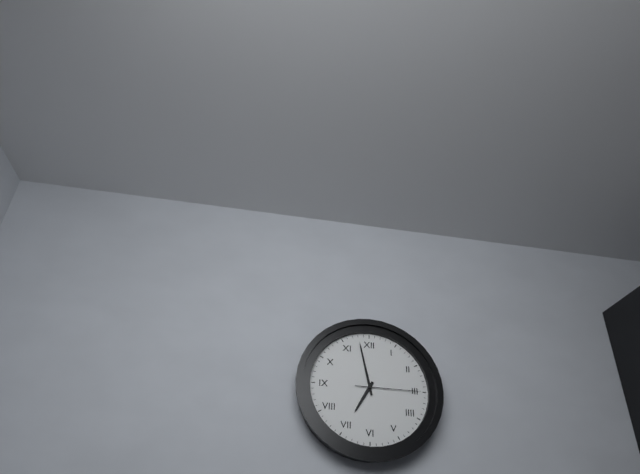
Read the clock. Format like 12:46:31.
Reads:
6:58:15
